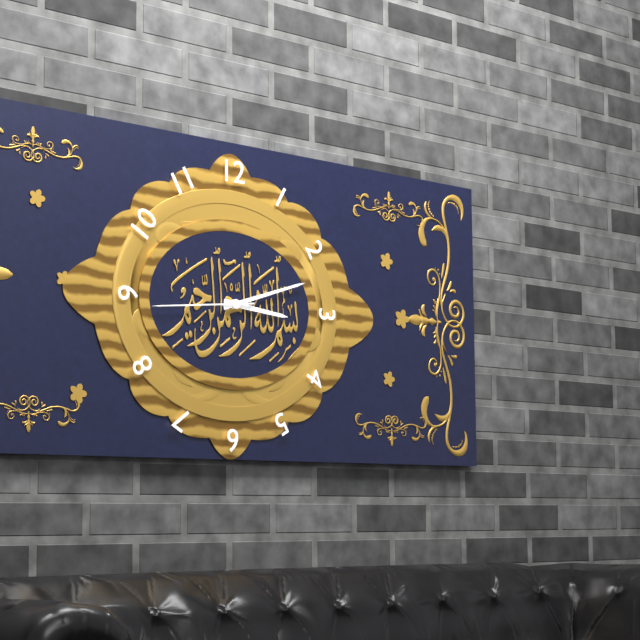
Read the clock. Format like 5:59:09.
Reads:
3:12:44
